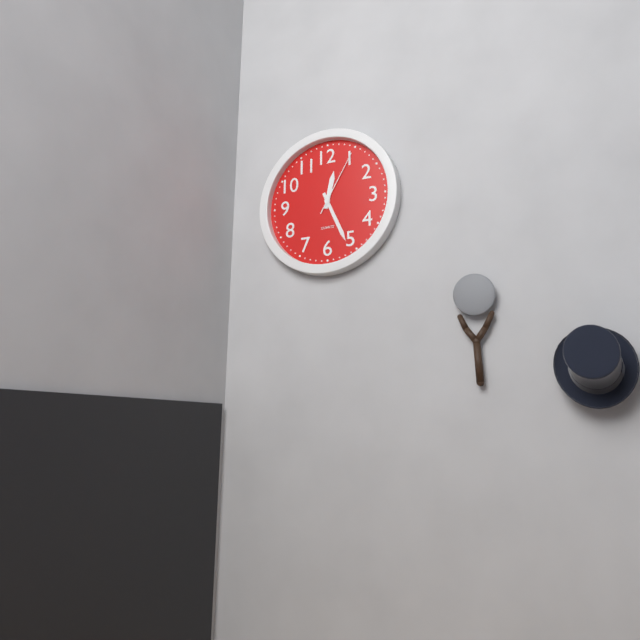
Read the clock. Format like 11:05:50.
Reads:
12:26:05
